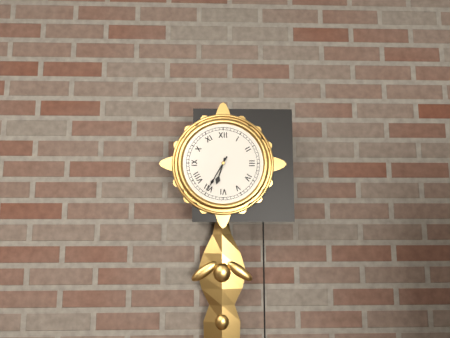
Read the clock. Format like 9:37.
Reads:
6:35
